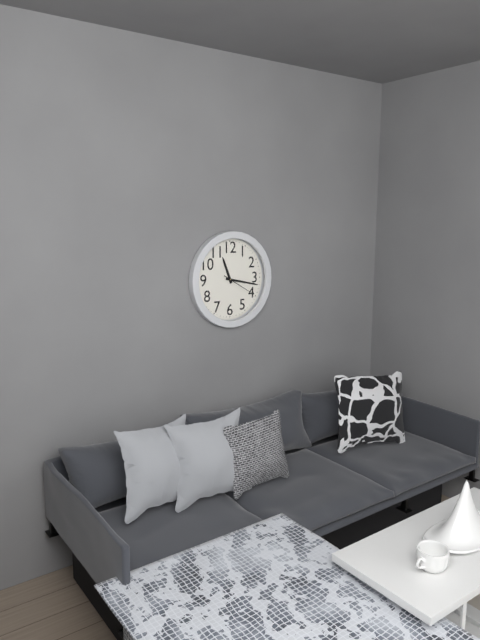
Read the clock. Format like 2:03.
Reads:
11:17
